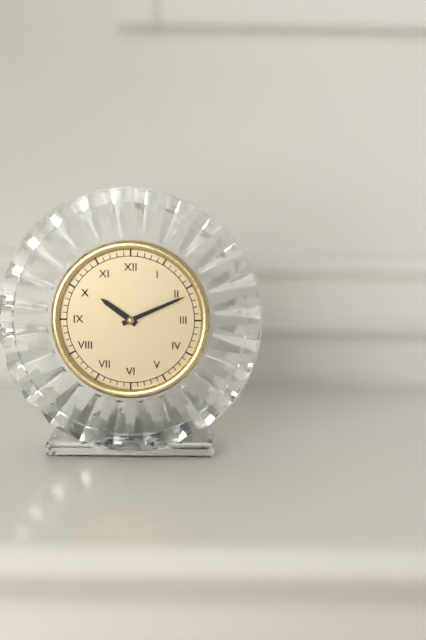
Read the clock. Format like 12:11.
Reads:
10:11
